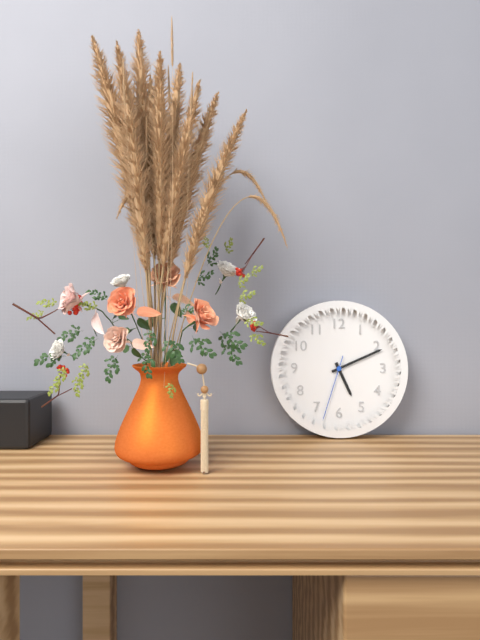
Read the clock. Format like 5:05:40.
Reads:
5:11:33
